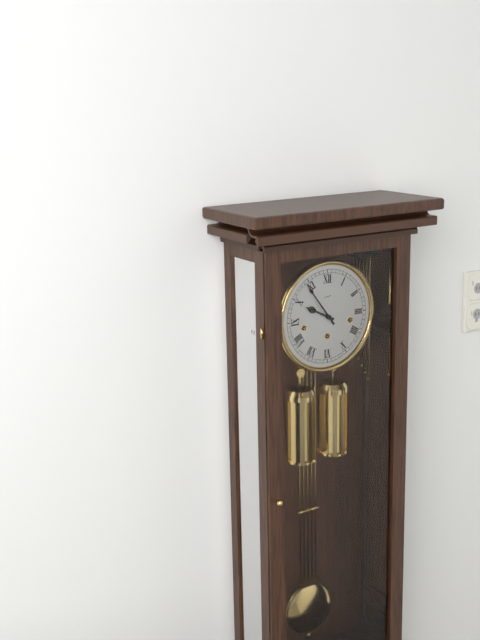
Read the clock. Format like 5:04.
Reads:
9:54
